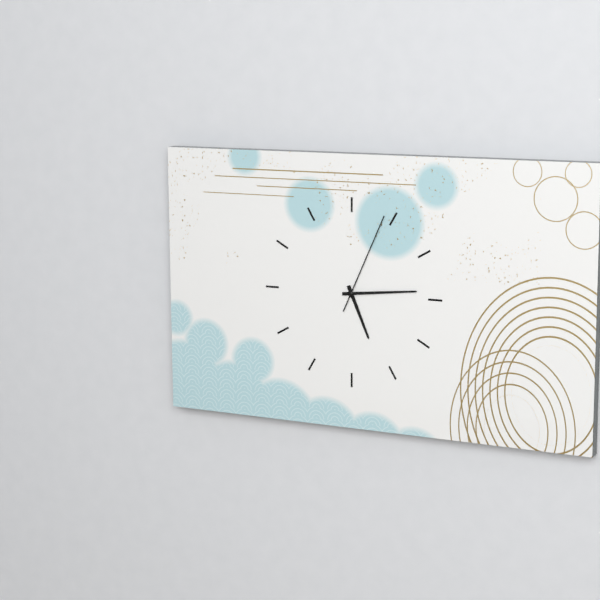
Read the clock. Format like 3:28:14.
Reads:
5:14:04
